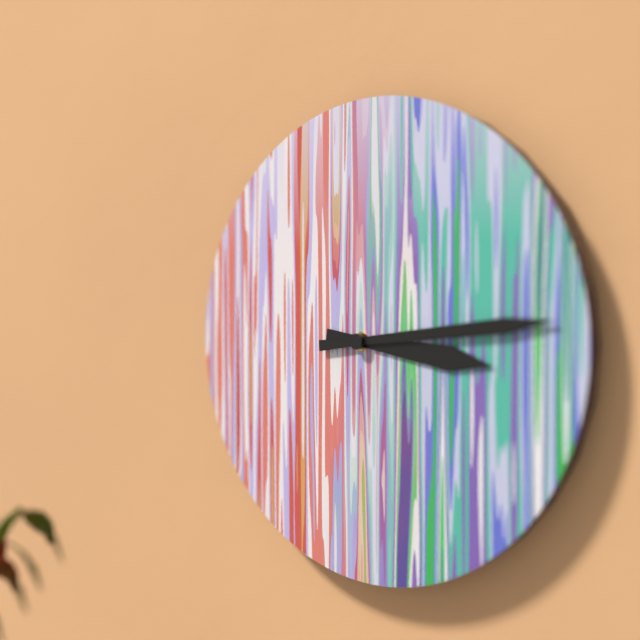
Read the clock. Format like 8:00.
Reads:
3:14
